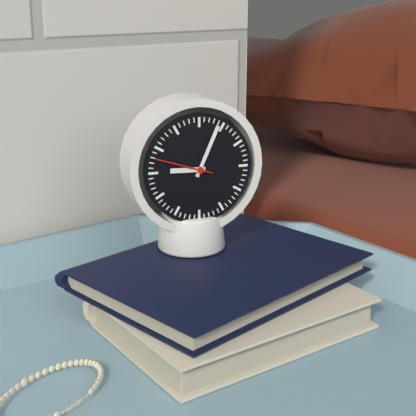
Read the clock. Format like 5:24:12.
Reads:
9:04:48
